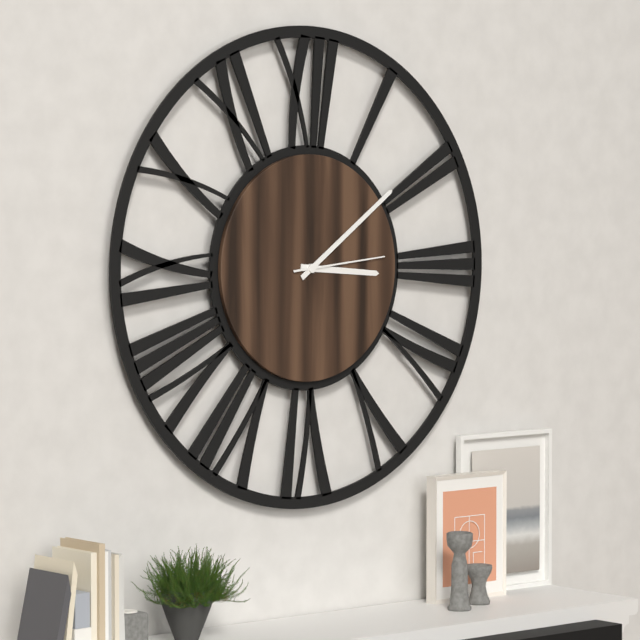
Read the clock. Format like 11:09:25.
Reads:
3:09:14
